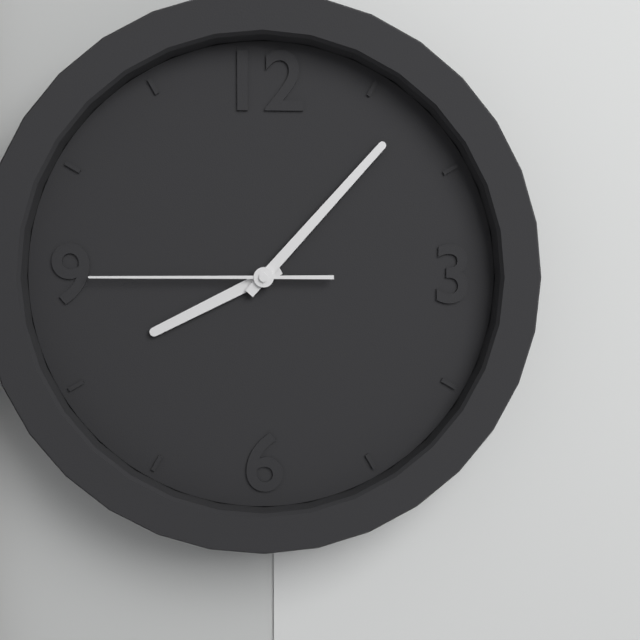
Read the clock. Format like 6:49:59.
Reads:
8:07:45
